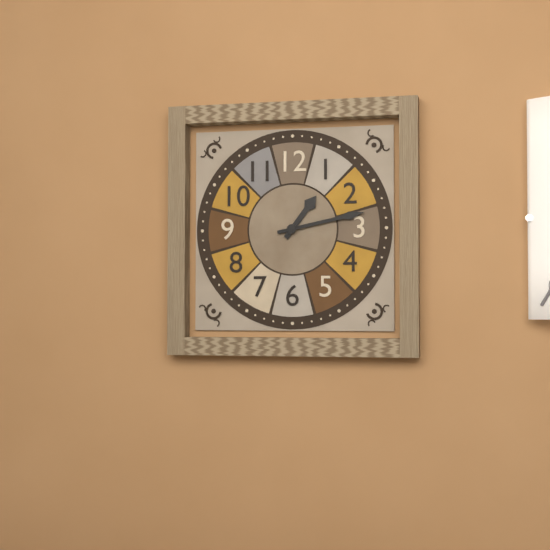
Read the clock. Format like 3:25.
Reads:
1:13
